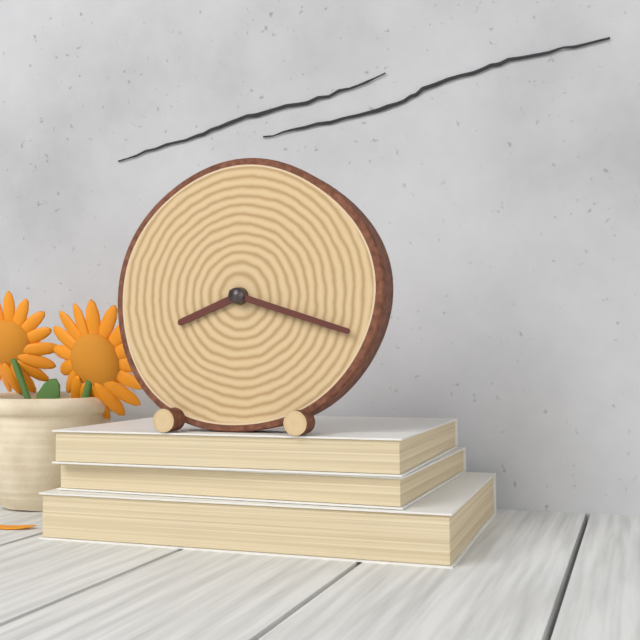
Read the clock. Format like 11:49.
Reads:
8:18
